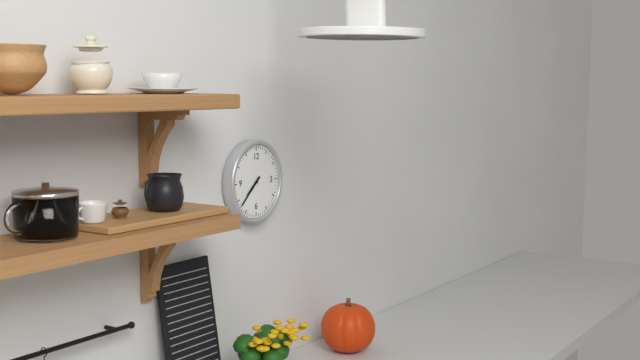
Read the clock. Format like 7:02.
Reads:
7:38
